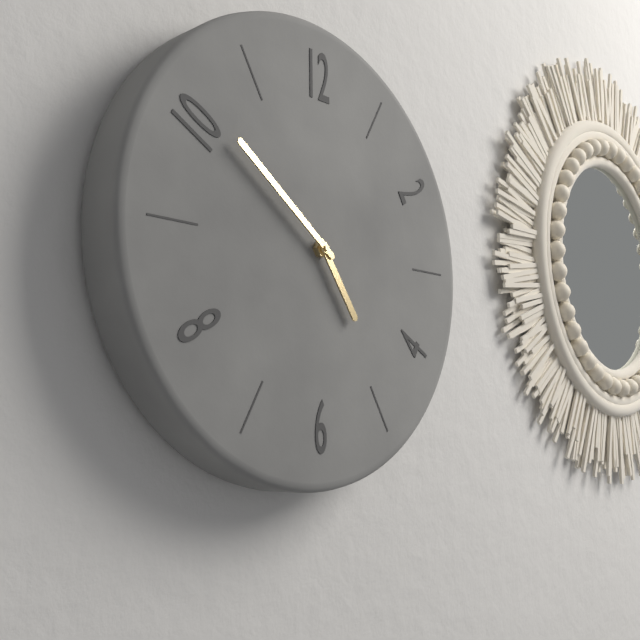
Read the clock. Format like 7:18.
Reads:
4:51
